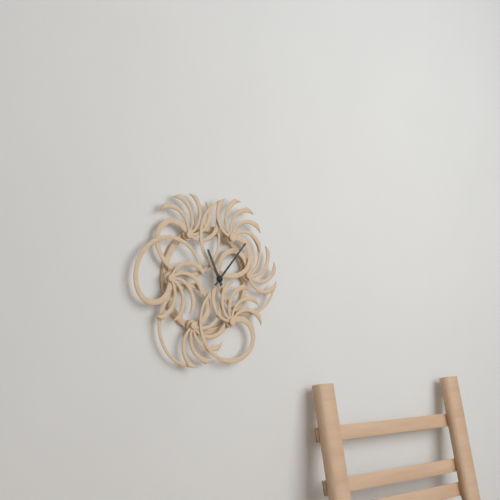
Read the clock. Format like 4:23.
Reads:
11:07
